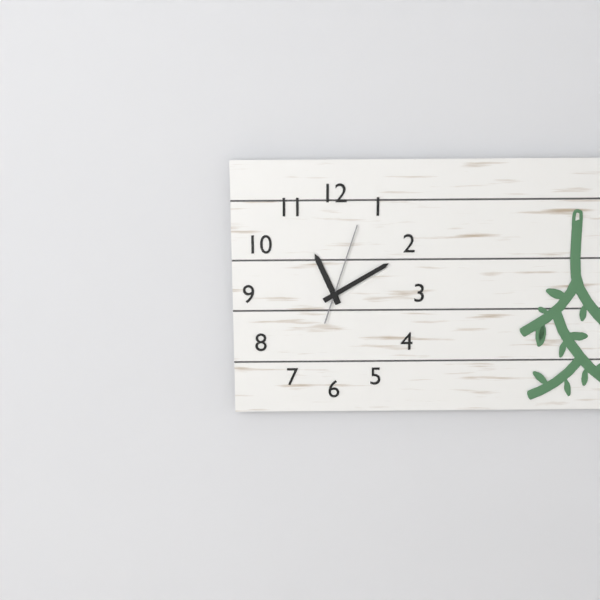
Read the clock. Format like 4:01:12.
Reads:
11:10:03
